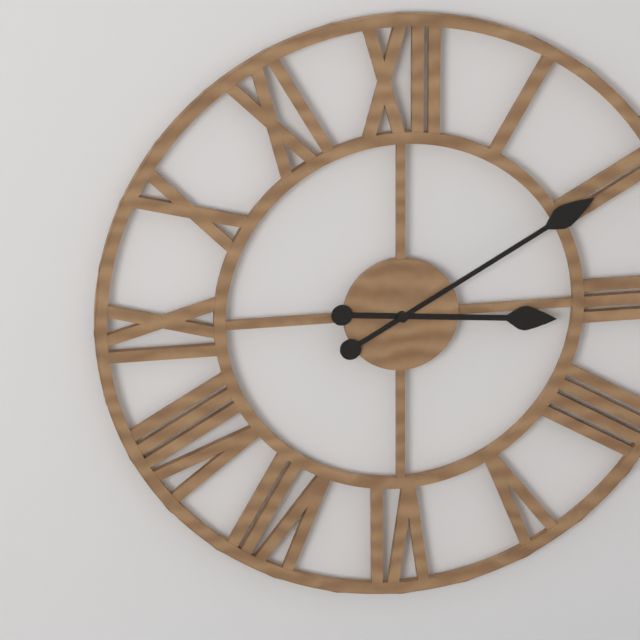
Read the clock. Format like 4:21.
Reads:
3:10
